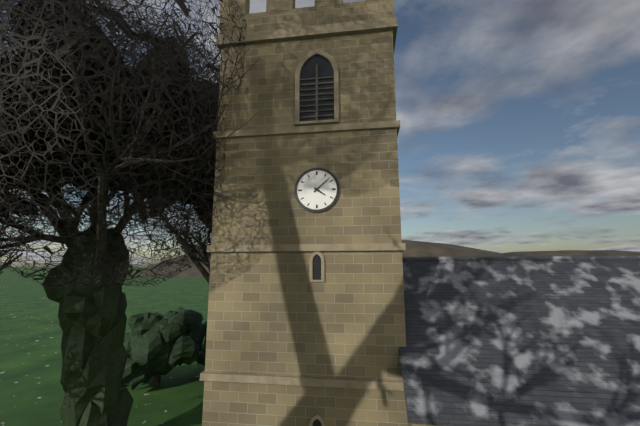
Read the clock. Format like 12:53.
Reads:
4:08
